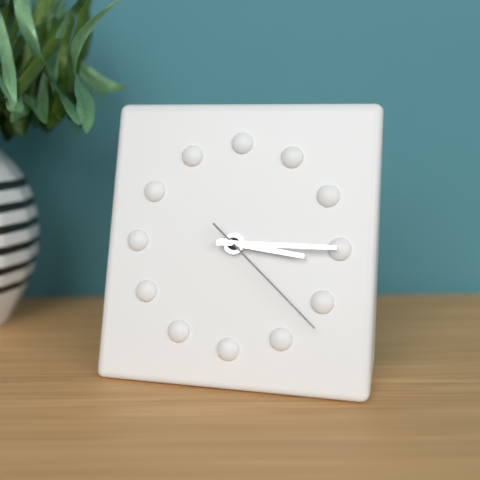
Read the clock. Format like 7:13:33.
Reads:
3:15:22
